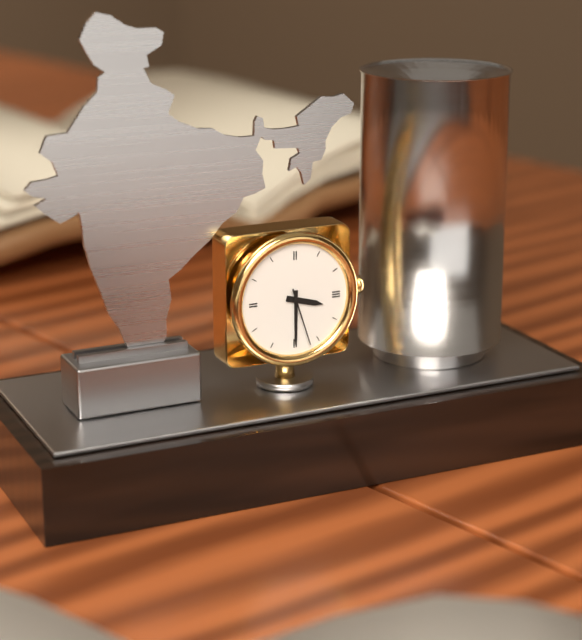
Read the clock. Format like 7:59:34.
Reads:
3:30:27
